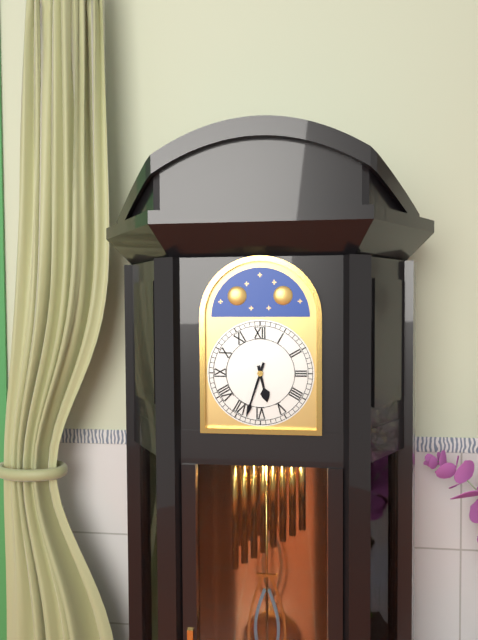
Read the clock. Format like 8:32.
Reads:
5:33
